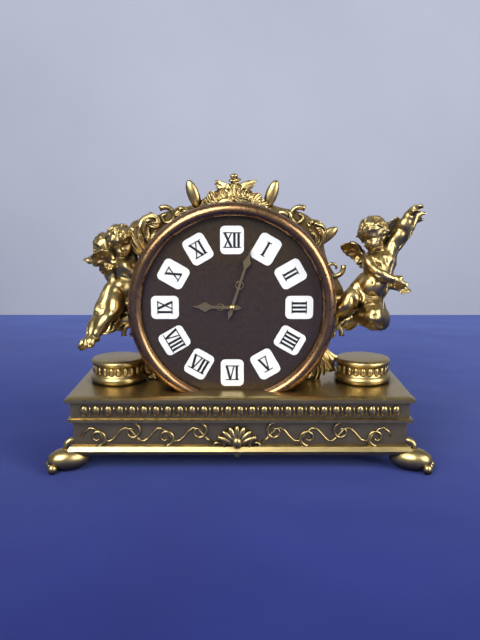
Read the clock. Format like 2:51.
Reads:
9:03
